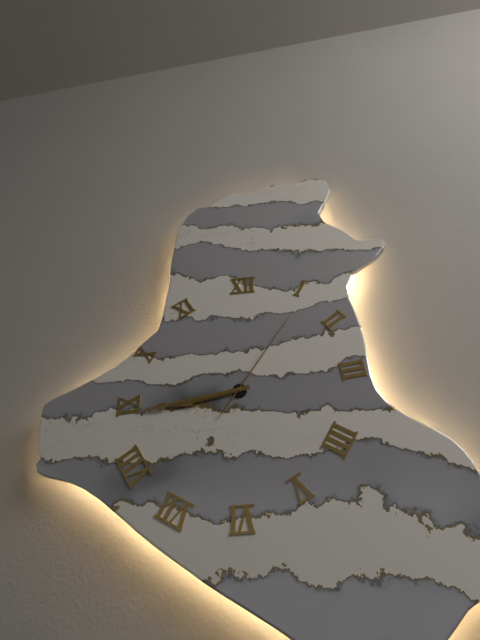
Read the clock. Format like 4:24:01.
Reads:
8:44:06
